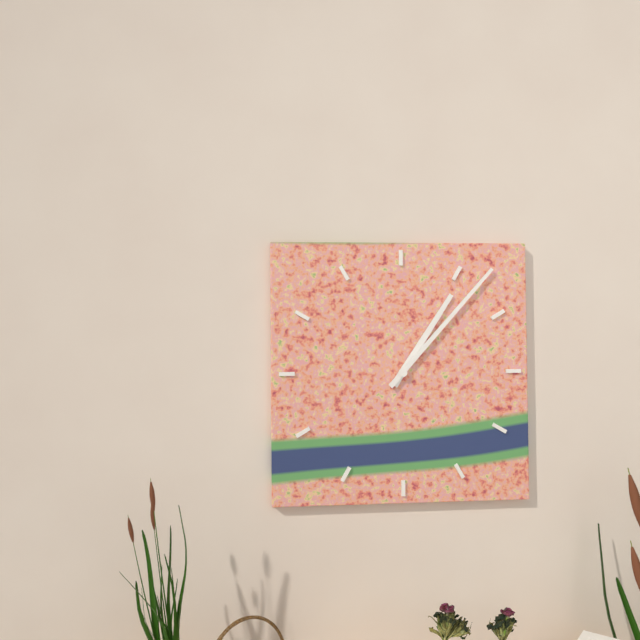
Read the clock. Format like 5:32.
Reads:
1:07
